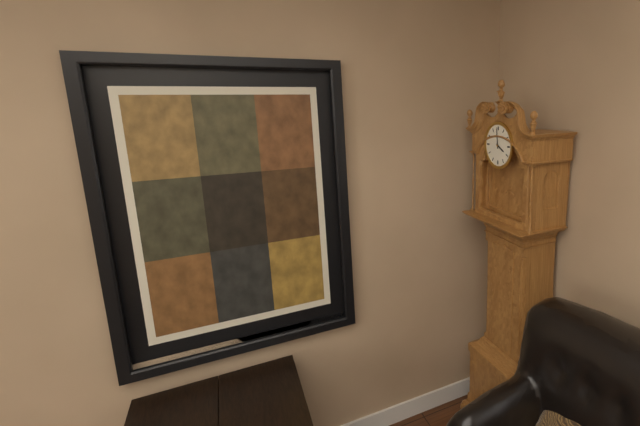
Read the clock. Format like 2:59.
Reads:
3:59
